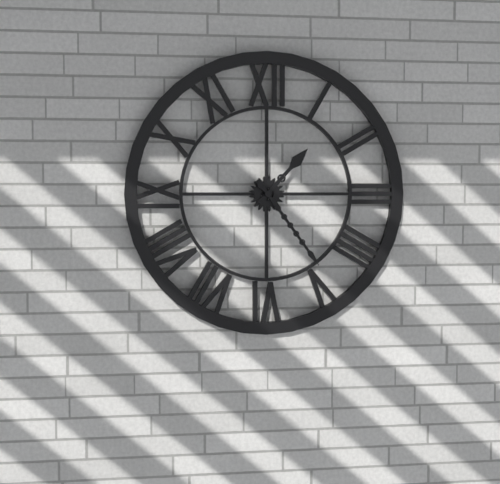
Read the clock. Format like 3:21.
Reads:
1:24
